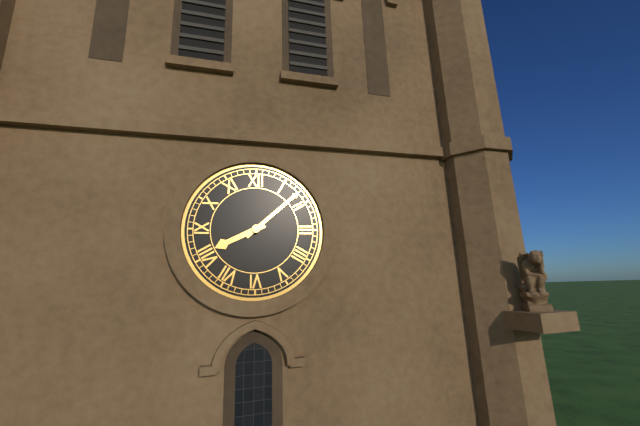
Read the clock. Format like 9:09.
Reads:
8:08
